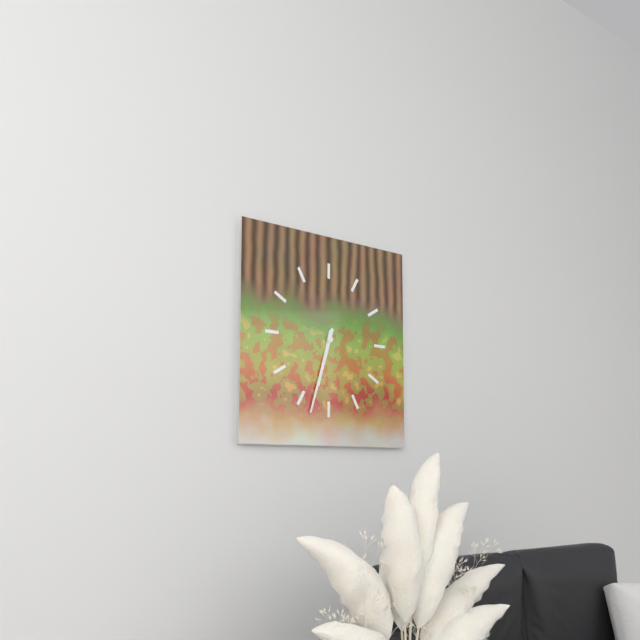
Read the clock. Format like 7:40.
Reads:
6:33
